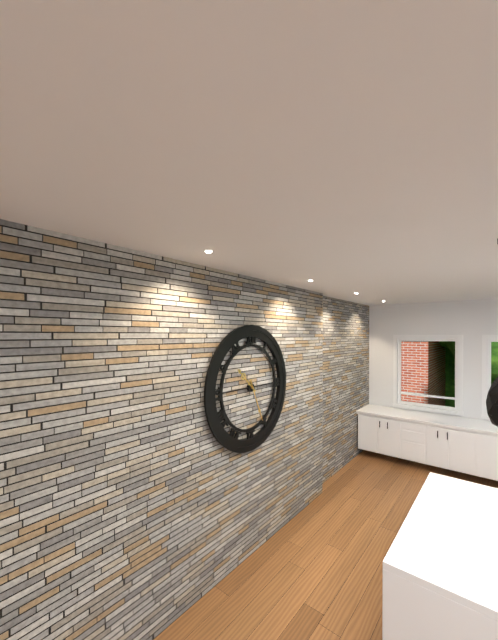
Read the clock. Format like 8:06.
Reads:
10:26
